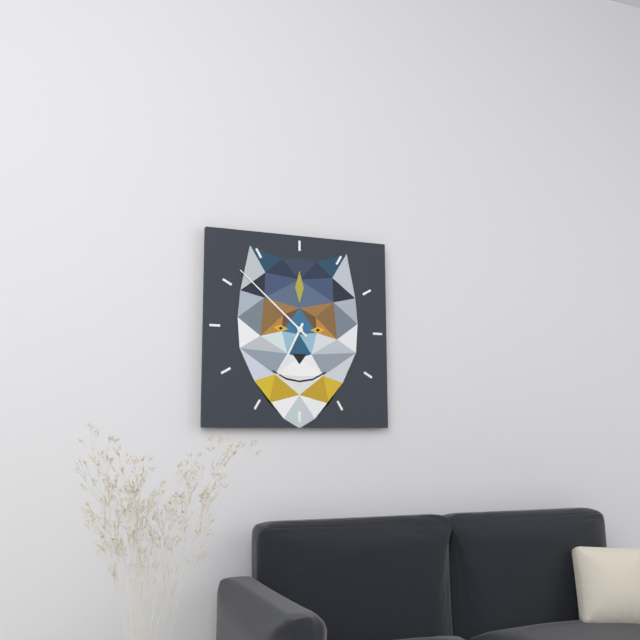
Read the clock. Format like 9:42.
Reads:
6:52
